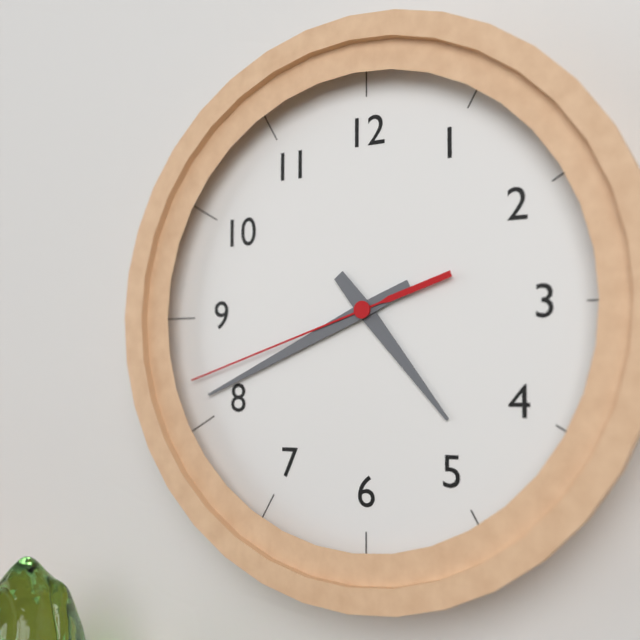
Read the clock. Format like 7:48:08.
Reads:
4:41:42
